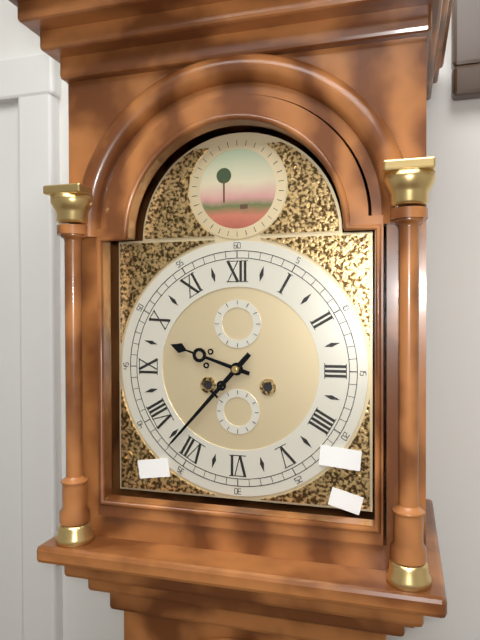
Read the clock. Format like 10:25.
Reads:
9:37
